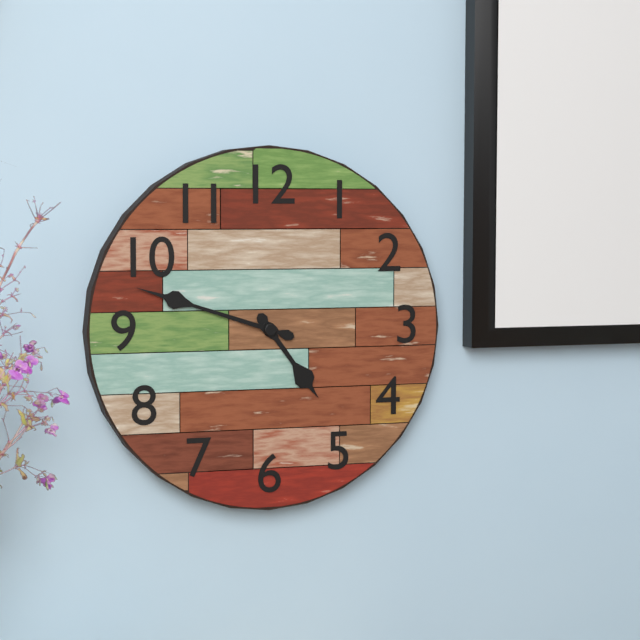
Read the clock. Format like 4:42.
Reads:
4:48
